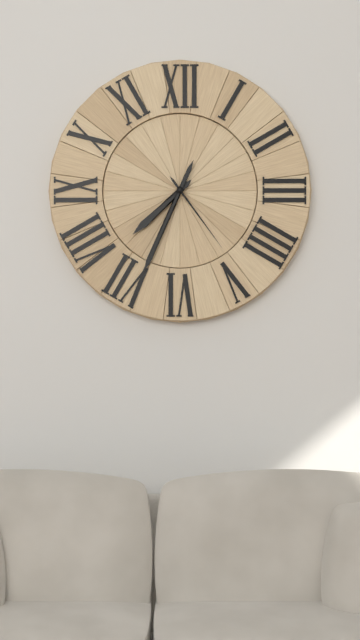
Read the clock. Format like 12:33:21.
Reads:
7:34:24
